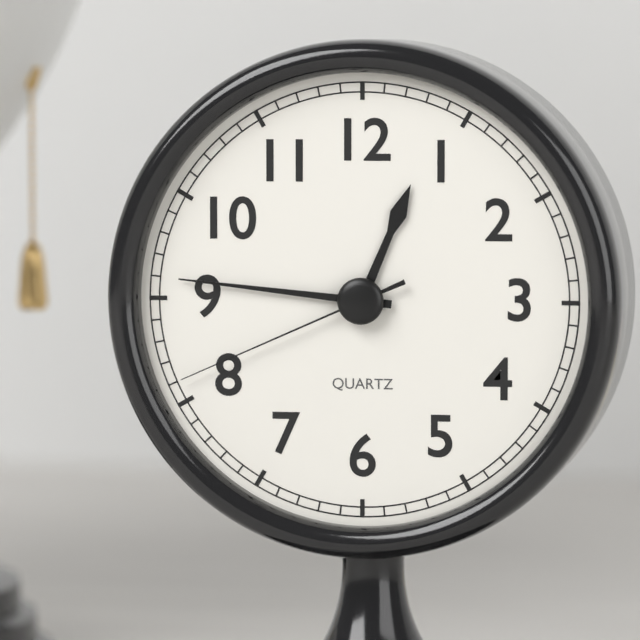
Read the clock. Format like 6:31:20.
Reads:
12:46:41
